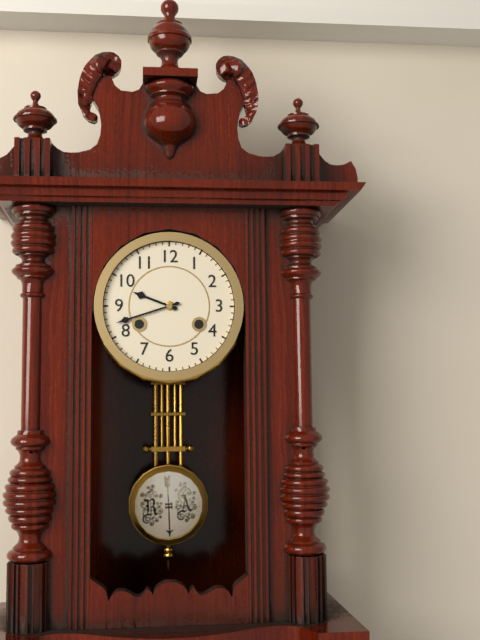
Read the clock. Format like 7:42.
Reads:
9:42
